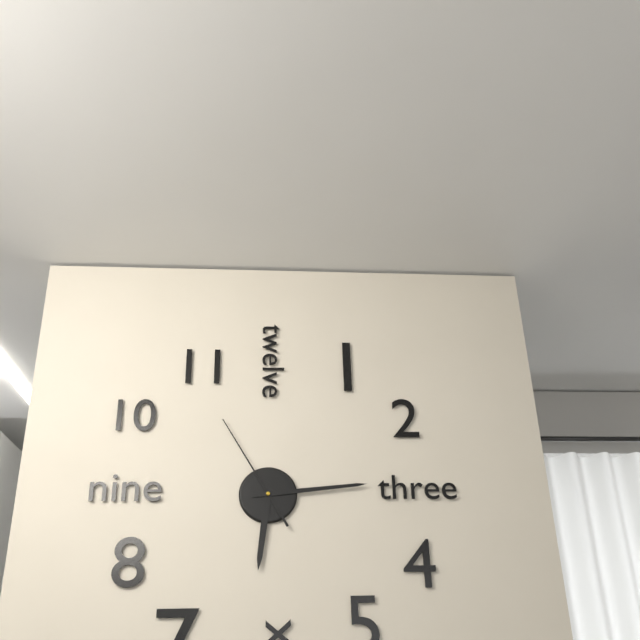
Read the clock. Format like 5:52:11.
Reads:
6:14:55
